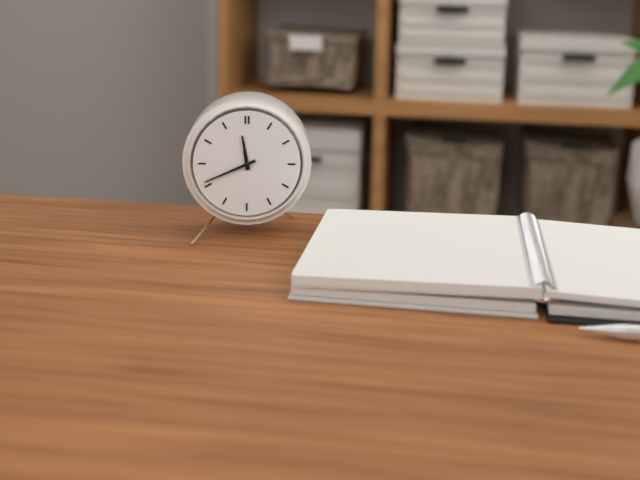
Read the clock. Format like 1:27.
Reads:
11:41
